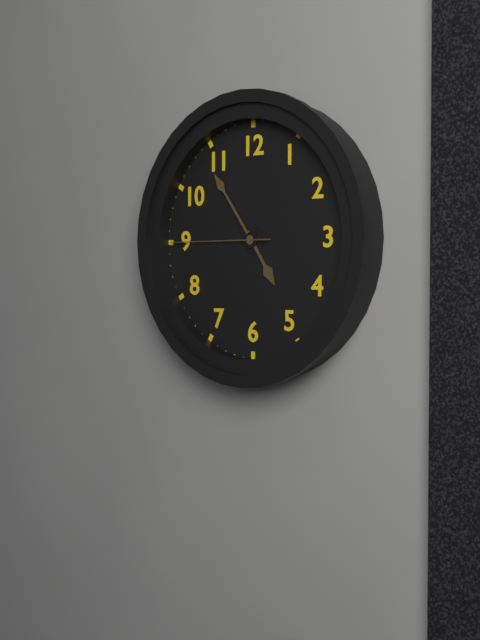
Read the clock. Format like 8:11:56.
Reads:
4:54:45
